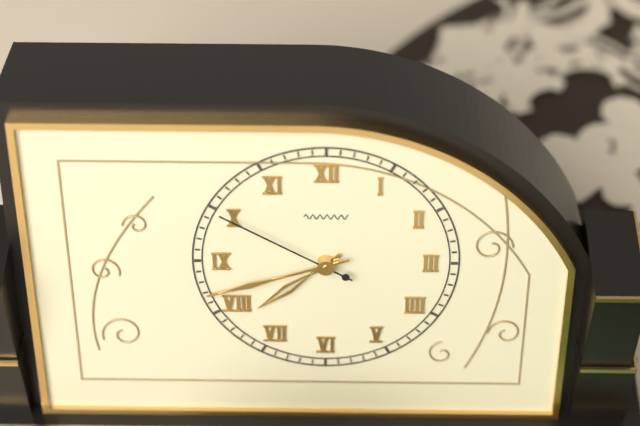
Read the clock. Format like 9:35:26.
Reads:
7:42:50
